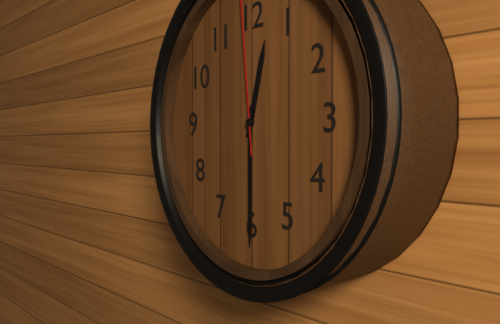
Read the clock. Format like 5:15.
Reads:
12:30
